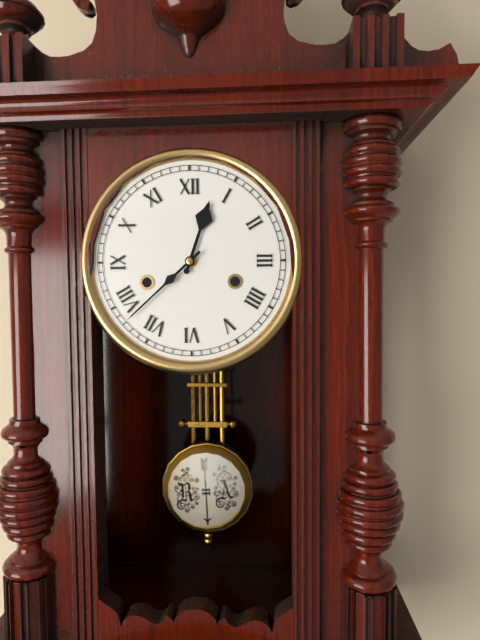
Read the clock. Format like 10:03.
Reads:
12:38
